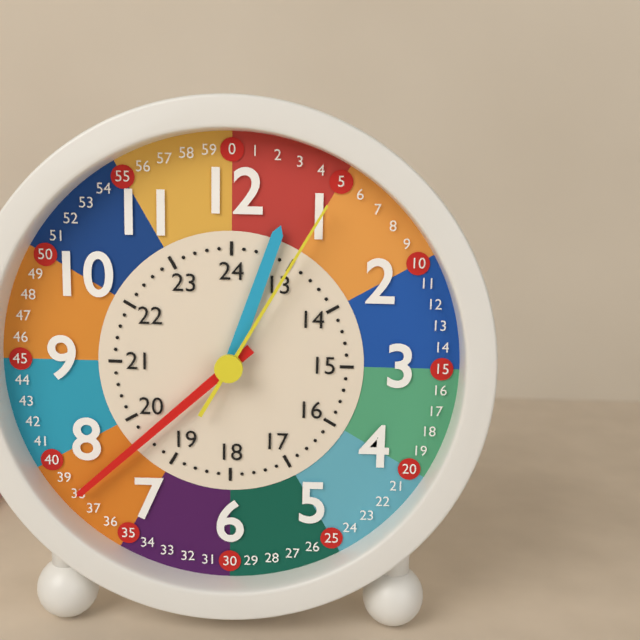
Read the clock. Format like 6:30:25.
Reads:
12:38:05
